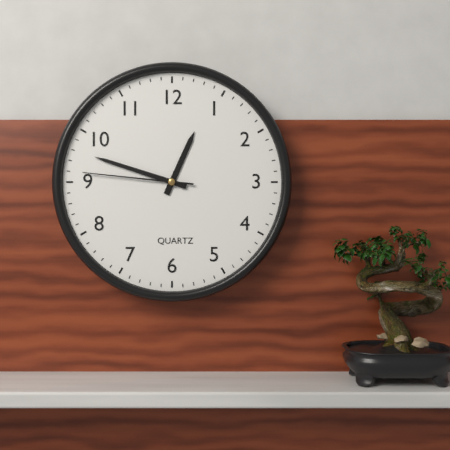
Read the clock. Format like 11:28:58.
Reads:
12:48:46
